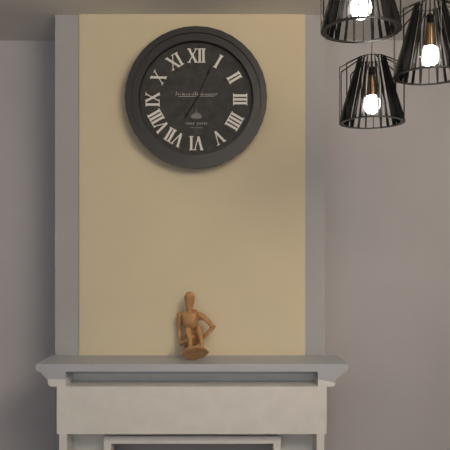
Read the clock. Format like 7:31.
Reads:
7:04
